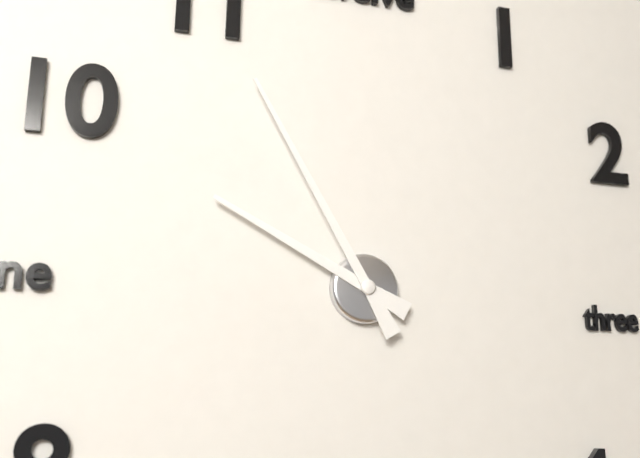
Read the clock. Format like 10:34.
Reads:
9:55
